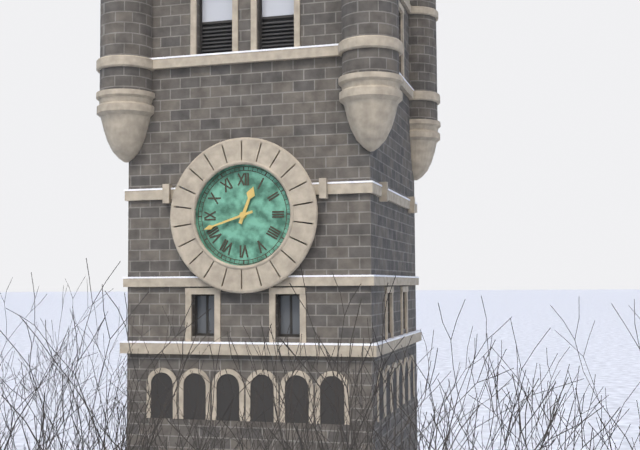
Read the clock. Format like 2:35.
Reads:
12:42
